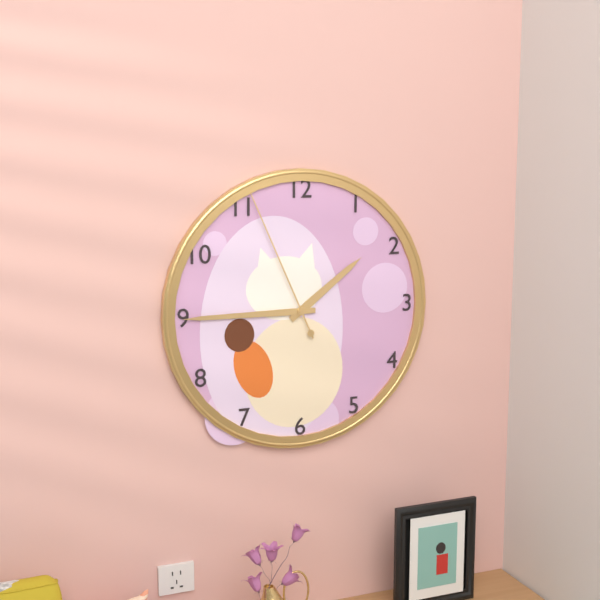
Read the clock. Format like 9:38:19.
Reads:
1:45:56
